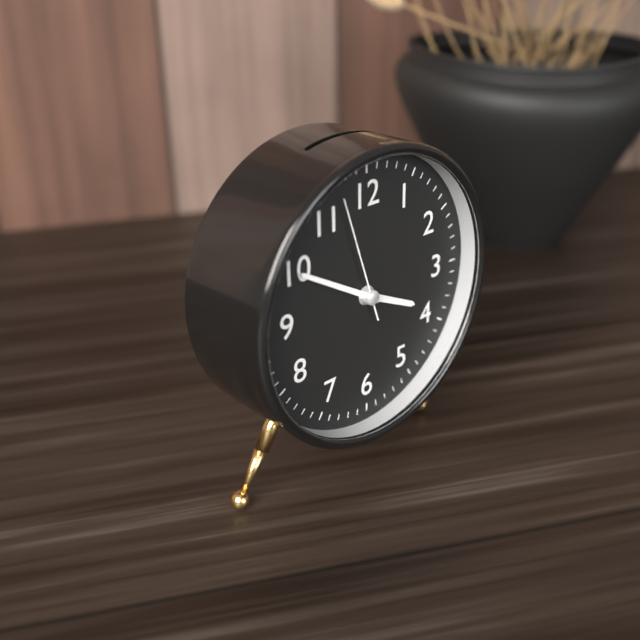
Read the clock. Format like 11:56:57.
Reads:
3:50:57
